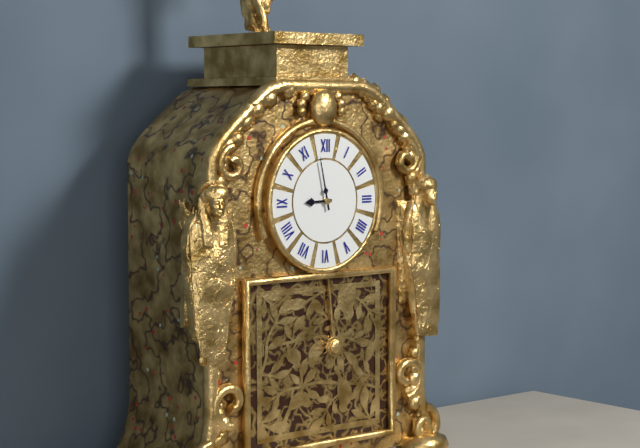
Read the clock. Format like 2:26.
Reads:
8:58
